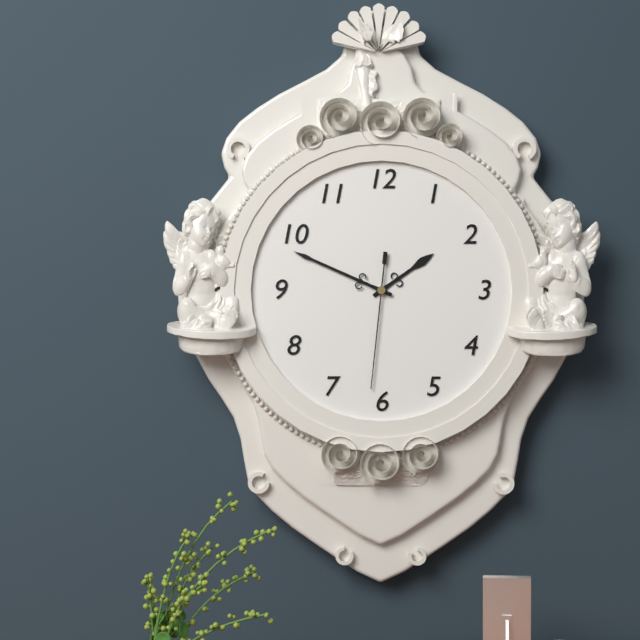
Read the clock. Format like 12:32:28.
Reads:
1:49:31
